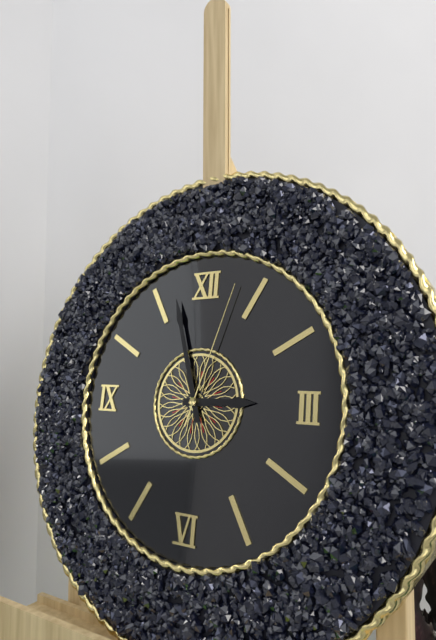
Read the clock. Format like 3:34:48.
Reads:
2:57:03
